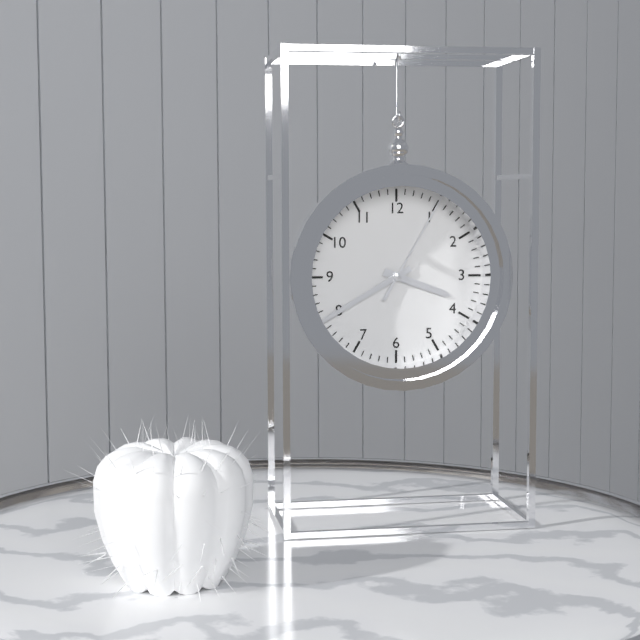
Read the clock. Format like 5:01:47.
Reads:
3:40:05
